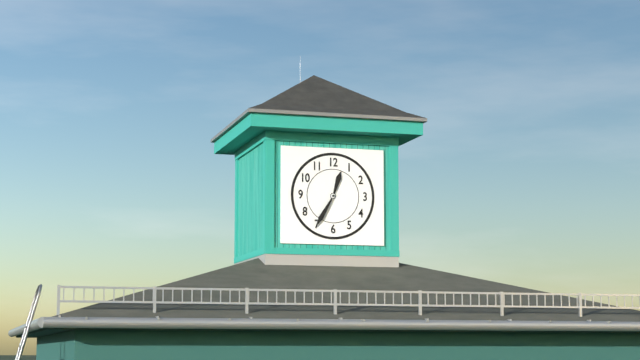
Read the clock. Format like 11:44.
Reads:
12:35
